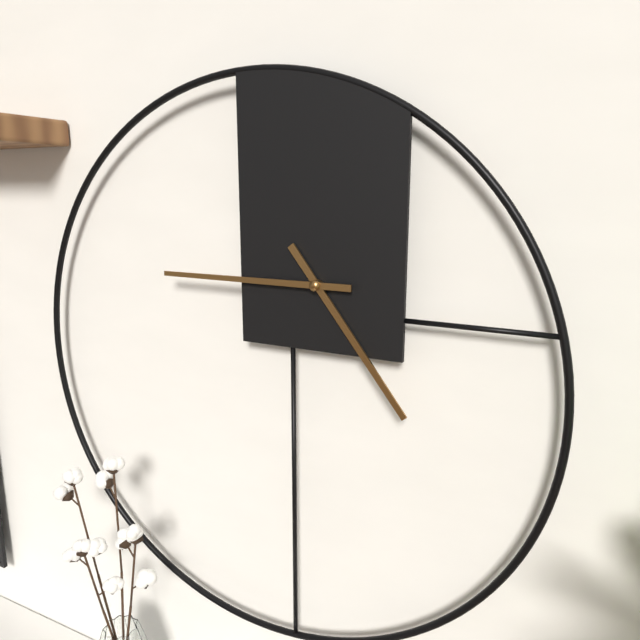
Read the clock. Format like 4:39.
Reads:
4:45
